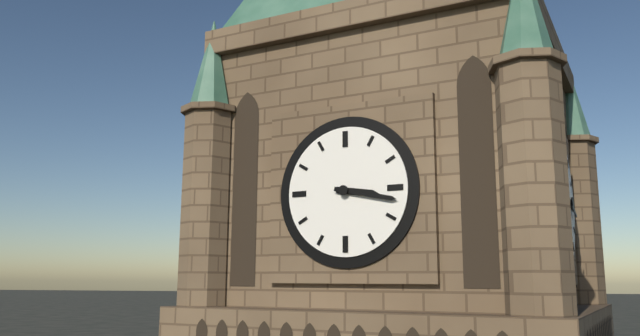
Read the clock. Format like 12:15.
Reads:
3:17
